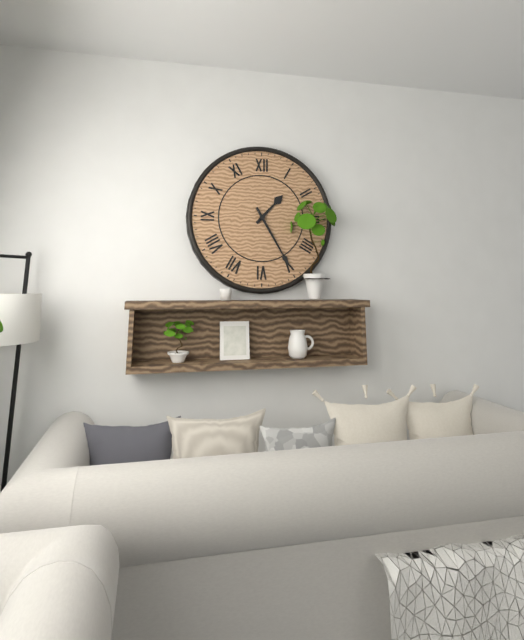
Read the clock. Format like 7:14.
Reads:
1:25
